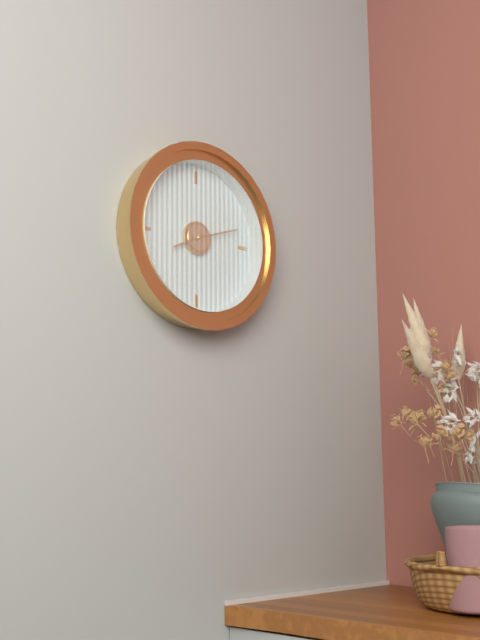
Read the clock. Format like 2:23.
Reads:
8:12
